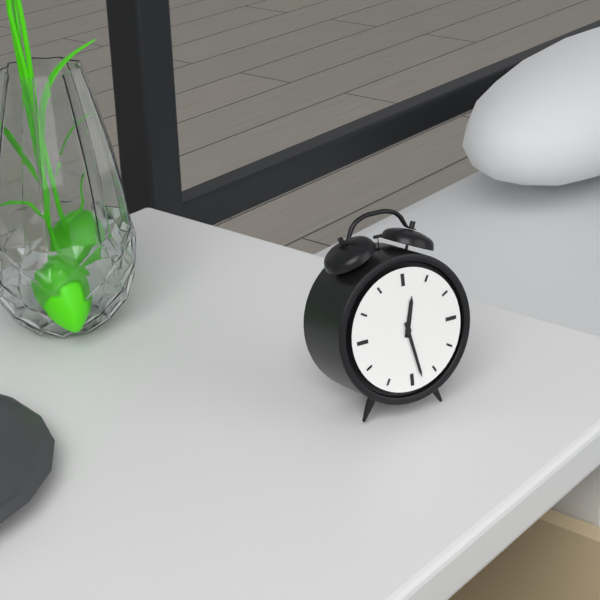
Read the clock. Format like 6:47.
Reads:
12:28
